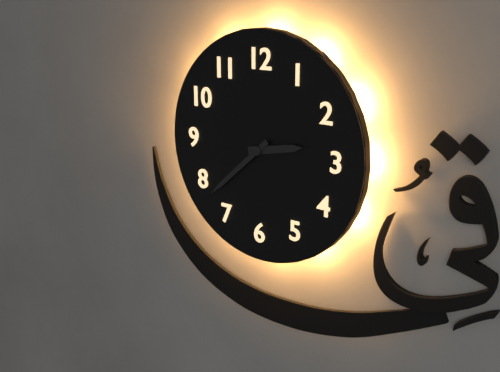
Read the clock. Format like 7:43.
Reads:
2:38
